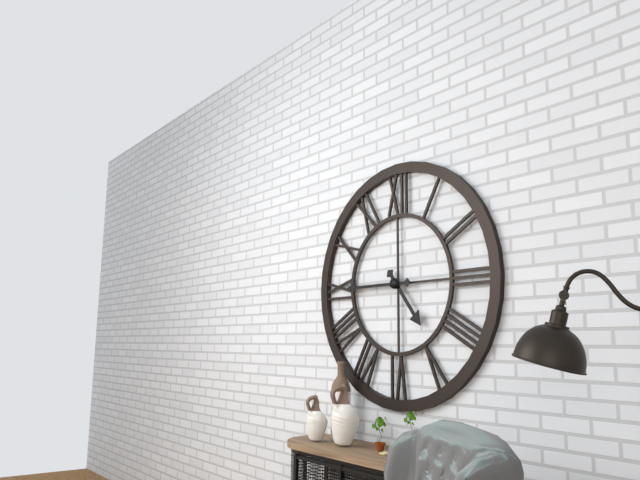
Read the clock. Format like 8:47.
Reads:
4:45
